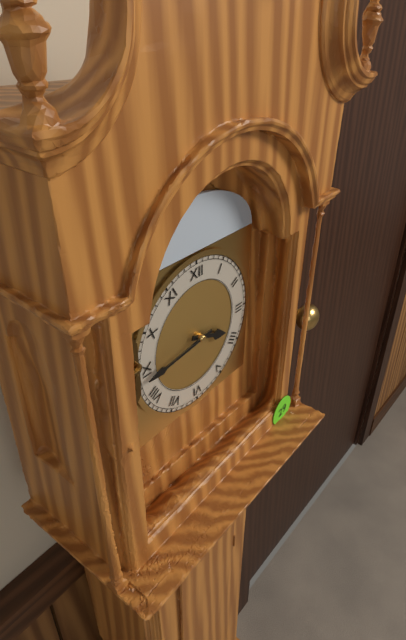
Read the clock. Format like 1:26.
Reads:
3:44
